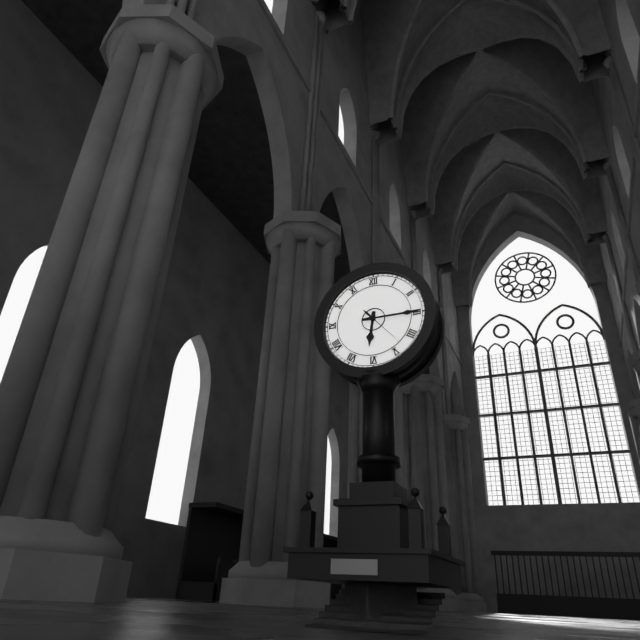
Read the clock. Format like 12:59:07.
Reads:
6:15:23
